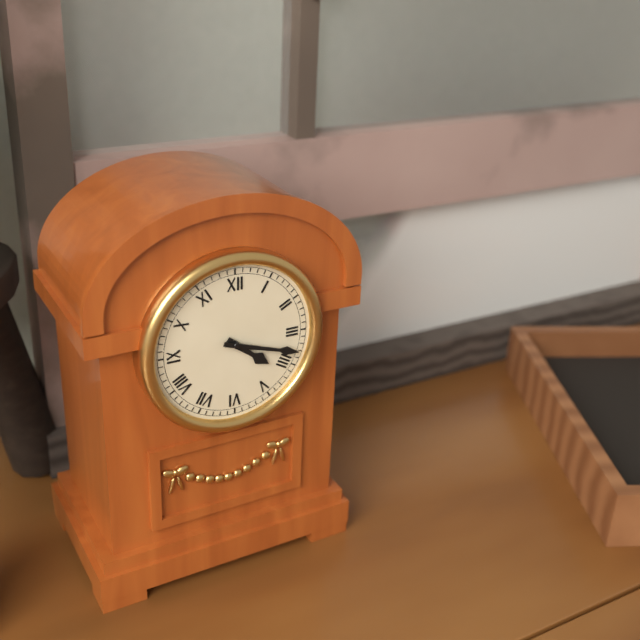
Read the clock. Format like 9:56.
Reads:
4:18
